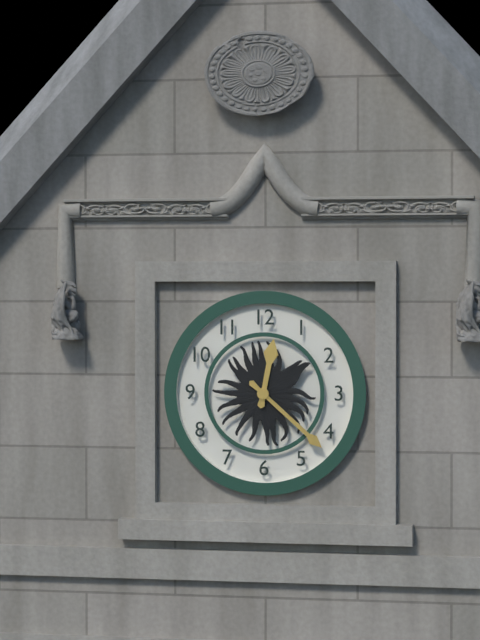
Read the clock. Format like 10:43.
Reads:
12:22
